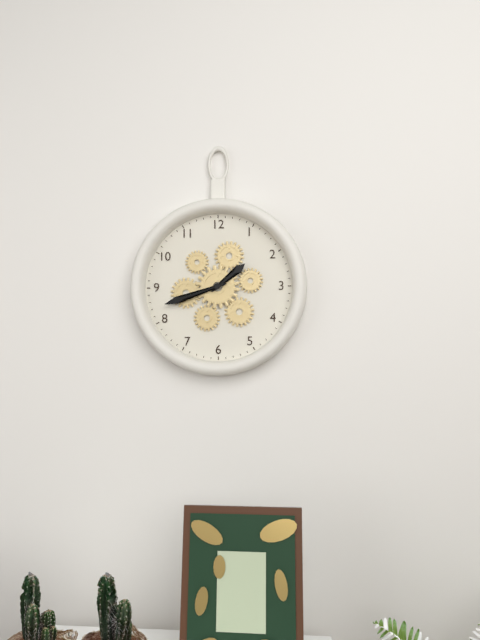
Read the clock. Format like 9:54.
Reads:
1:42
